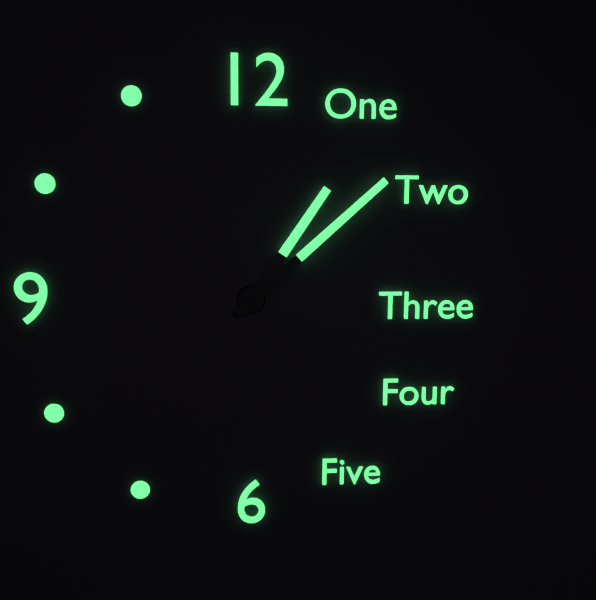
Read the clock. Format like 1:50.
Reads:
1:08
